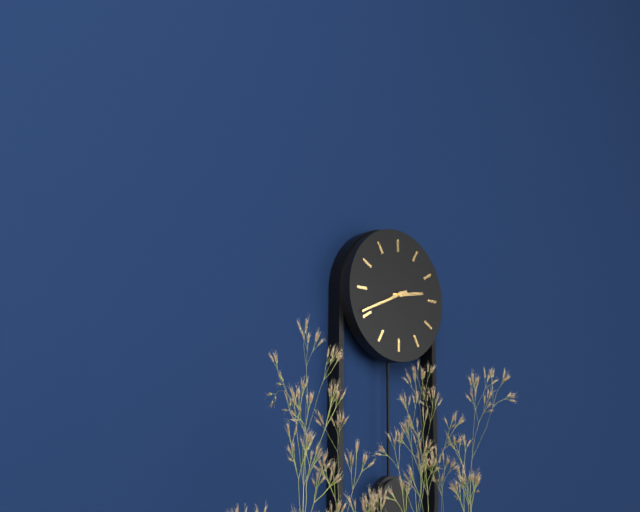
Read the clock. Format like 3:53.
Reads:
2:41
